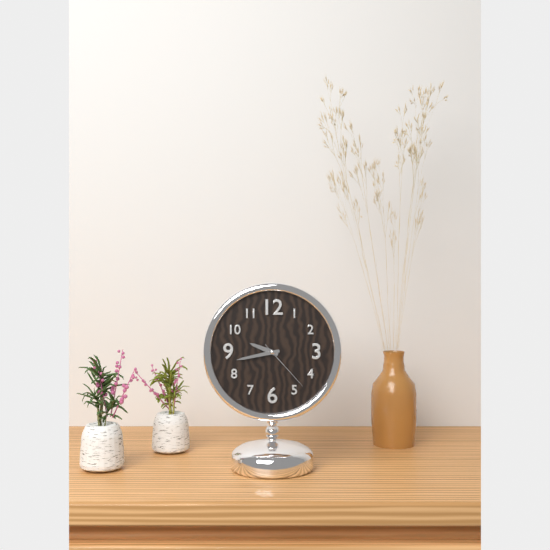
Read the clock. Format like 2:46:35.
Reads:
9:43:23
